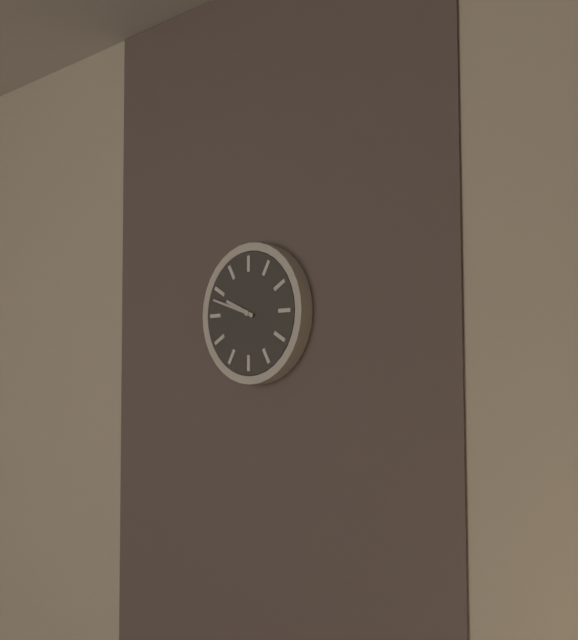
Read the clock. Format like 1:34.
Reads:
9:48
